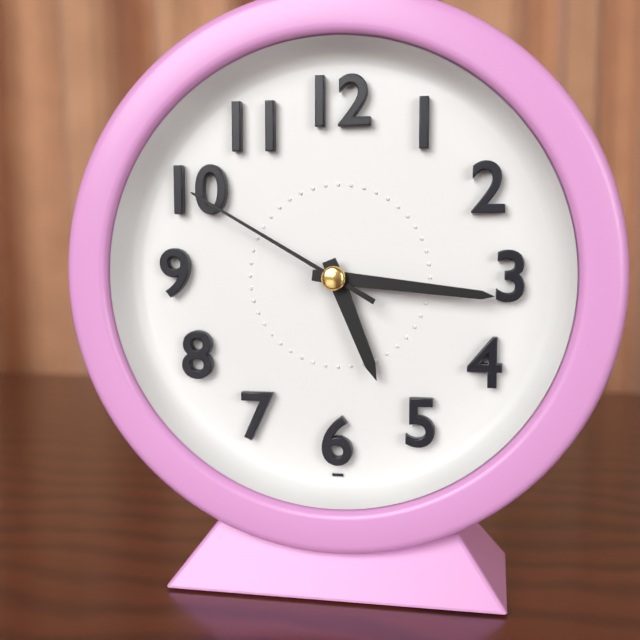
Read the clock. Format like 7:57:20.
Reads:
5:16:50
